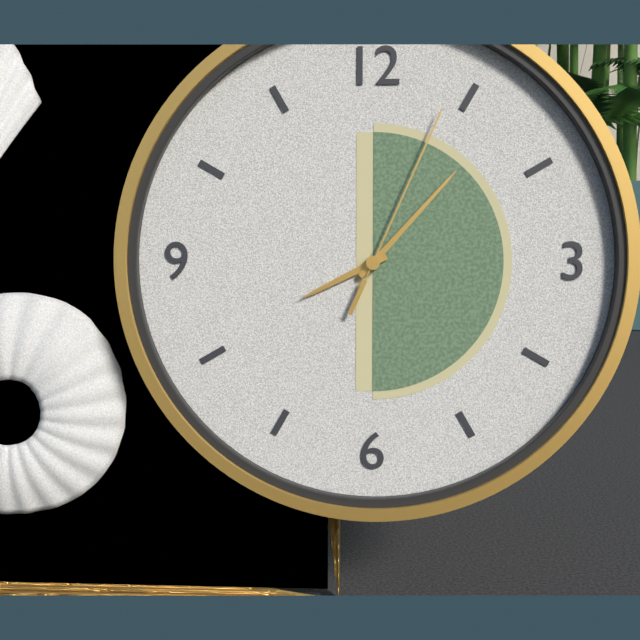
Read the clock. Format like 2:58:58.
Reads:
8:07:04
